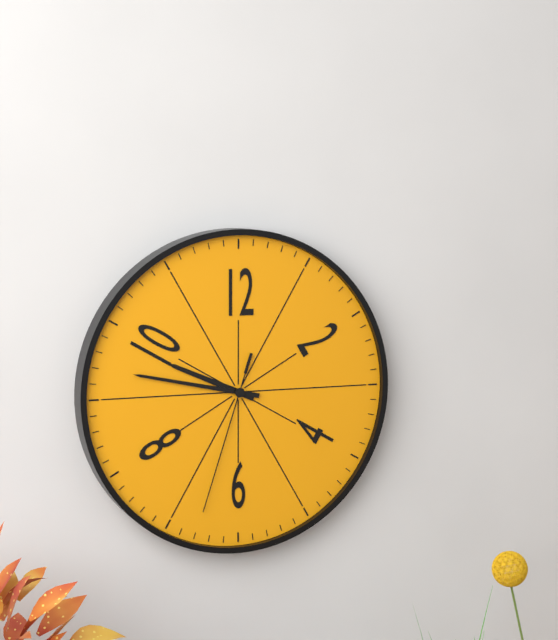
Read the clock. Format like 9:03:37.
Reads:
9:47:33
